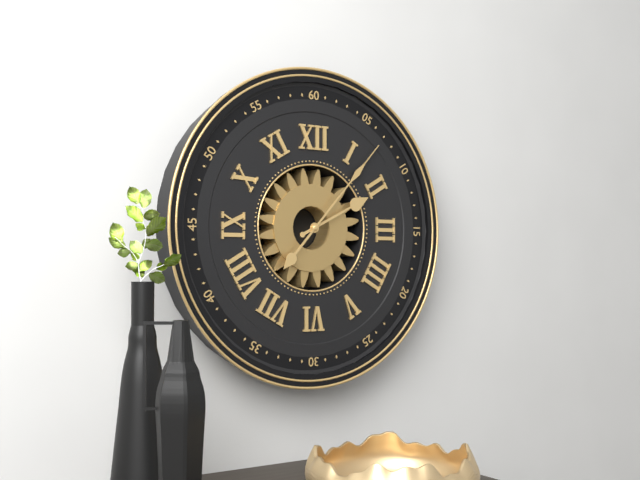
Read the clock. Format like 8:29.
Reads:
2:07
